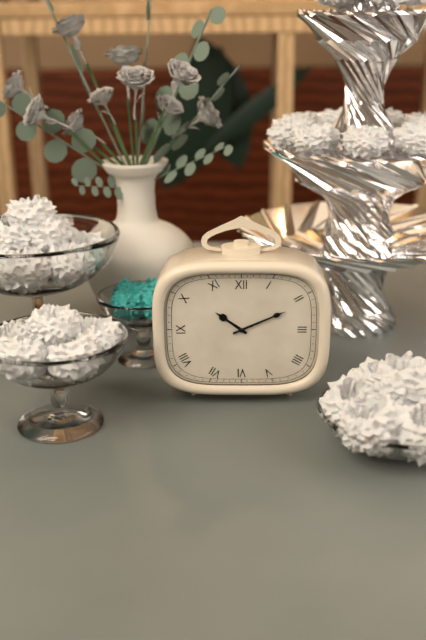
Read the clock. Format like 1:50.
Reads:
10:11
